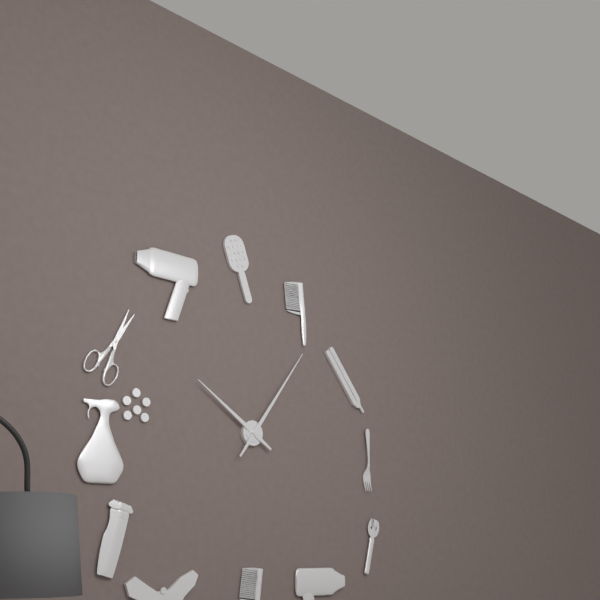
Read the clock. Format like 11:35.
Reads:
10:06
